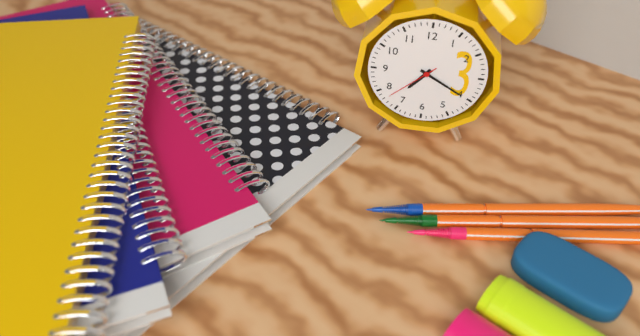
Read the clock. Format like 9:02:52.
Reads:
7:20:38
